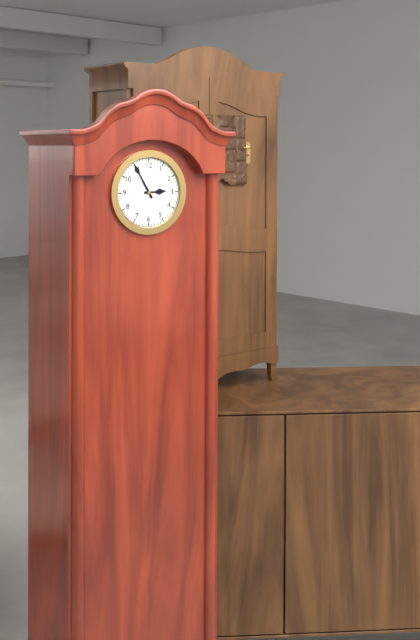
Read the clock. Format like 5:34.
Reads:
2:55
